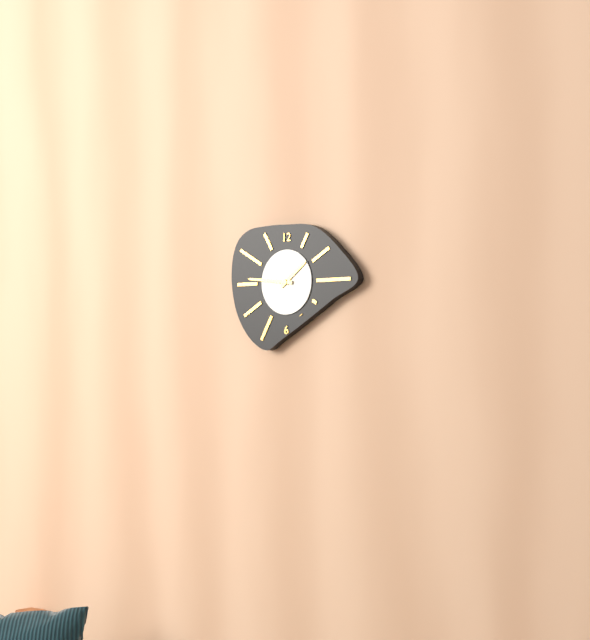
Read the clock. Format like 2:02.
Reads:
1:46
